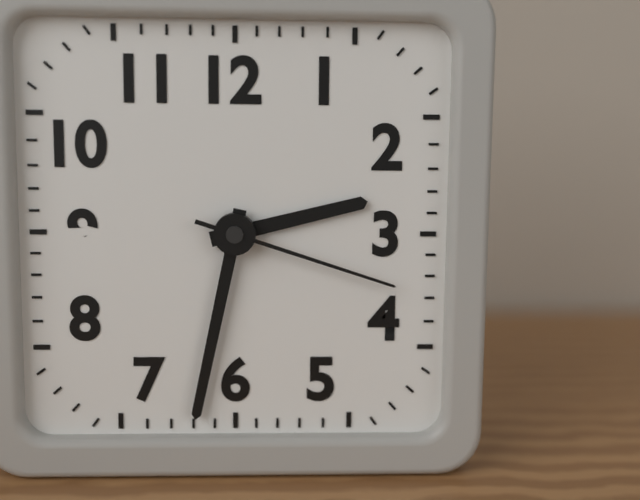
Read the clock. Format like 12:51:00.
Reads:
2:32:18
